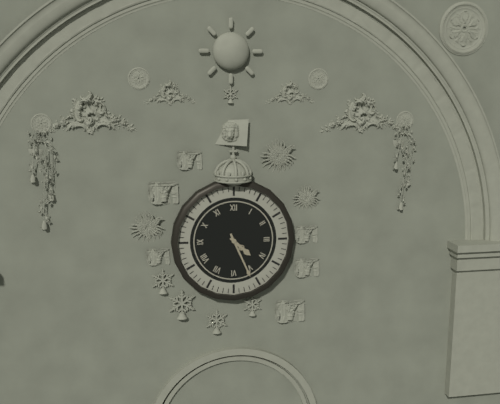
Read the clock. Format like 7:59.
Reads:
4:26
